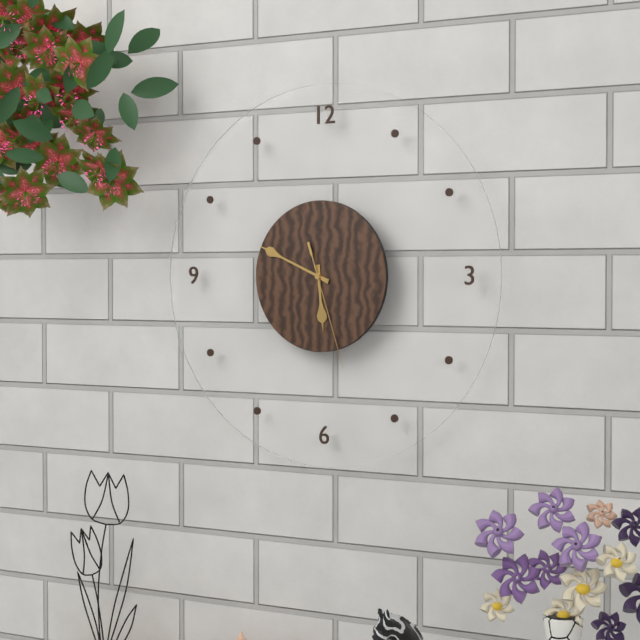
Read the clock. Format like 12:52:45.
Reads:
5:49:27
